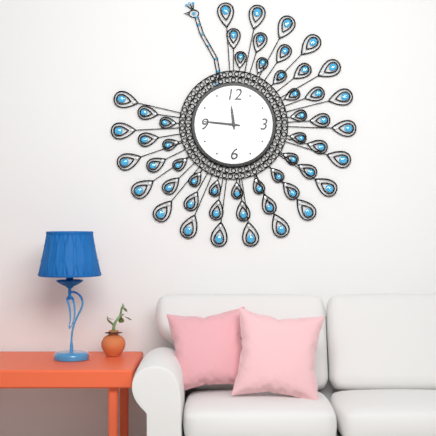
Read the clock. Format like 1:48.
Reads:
11:46
